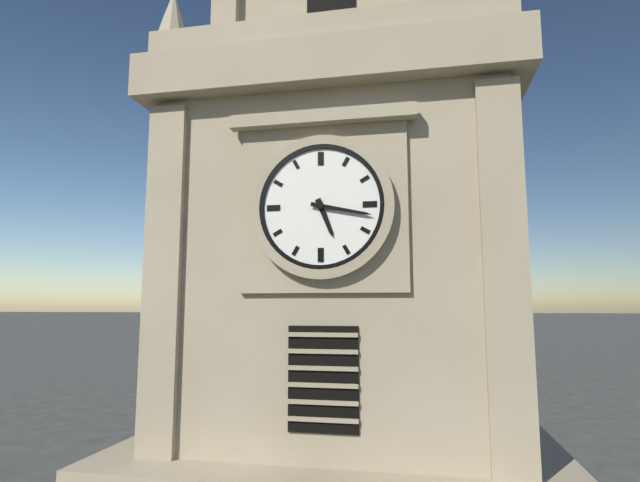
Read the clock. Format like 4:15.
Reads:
5:17
